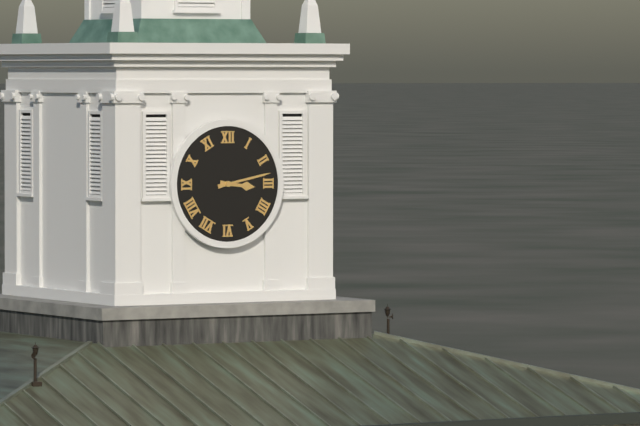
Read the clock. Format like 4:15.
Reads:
3:13
